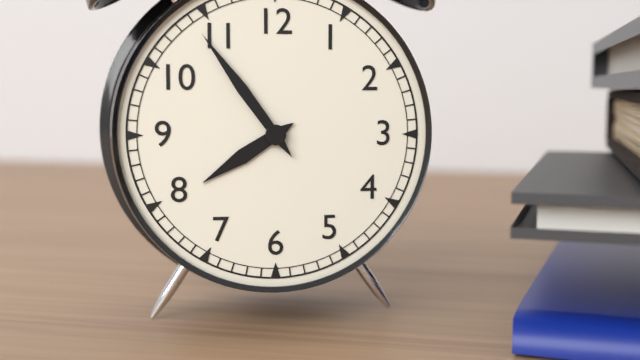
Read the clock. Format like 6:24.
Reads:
7:54
